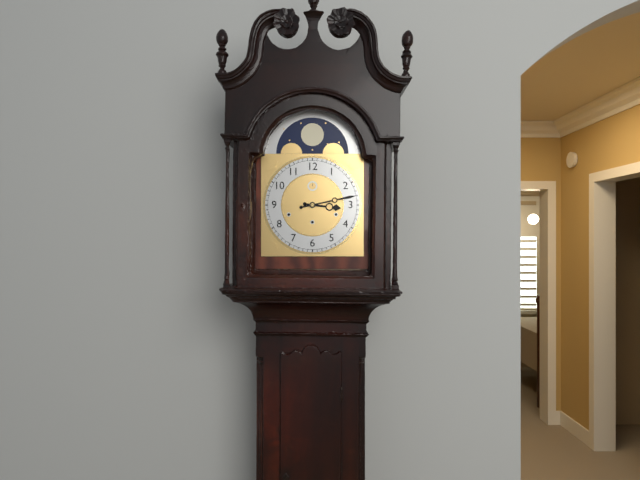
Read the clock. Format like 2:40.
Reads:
3:13
